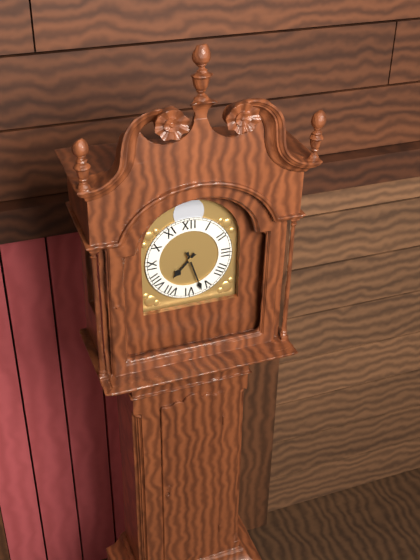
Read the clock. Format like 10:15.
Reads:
7:27
